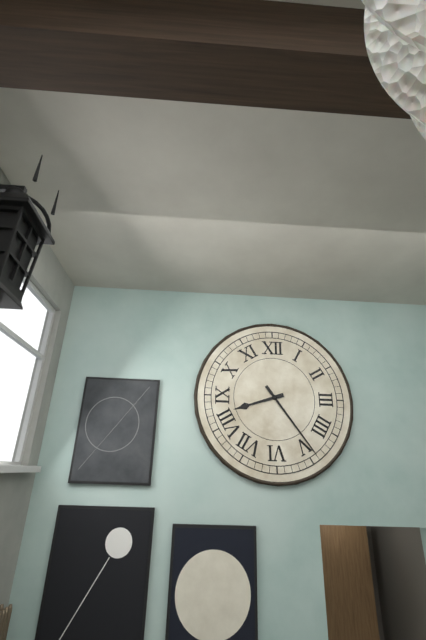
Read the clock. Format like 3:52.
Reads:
8:24
